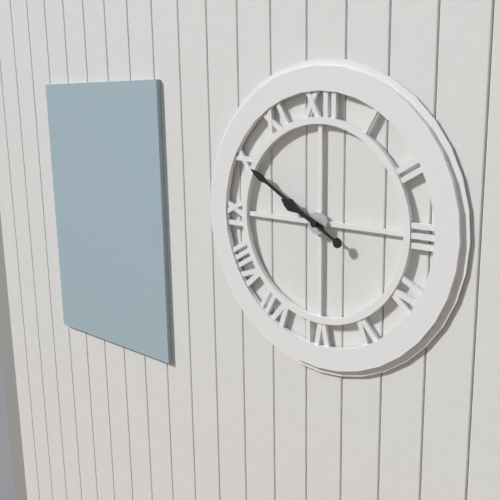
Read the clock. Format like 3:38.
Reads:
9:50
